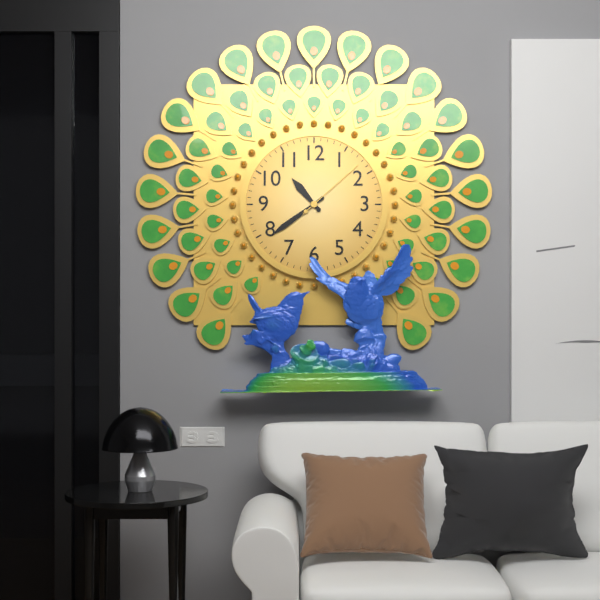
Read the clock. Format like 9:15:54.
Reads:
10:39:08
